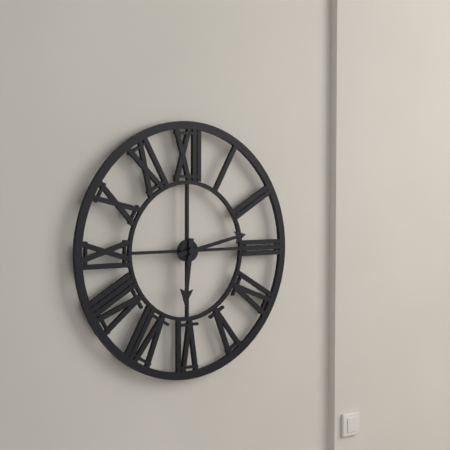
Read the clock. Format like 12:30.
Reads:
6:13
